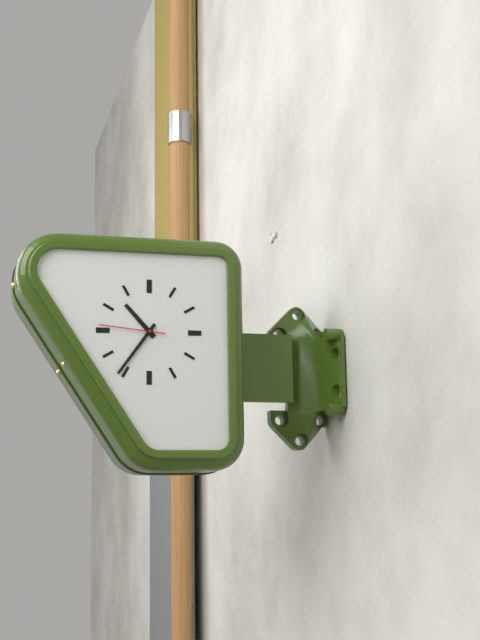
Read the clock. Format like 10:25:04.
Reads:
10:36:46
